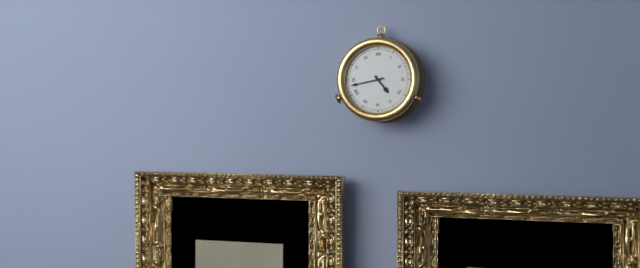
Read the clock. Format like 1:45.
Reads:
4:43
